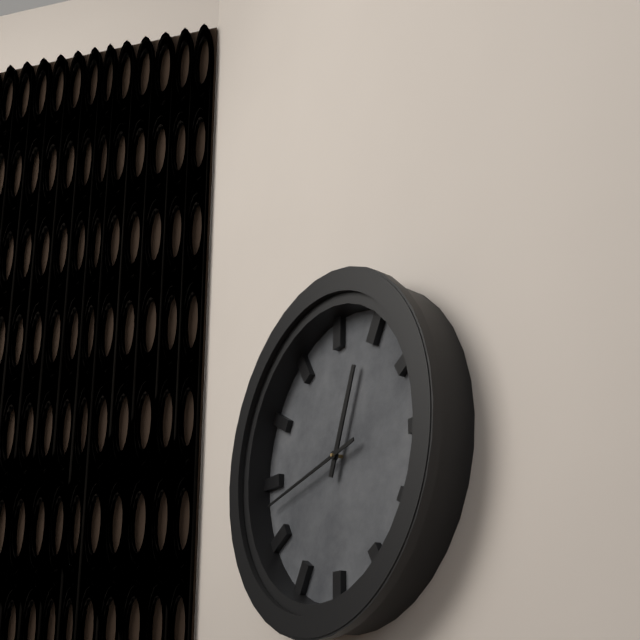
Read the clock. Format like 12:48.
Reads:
12:43
